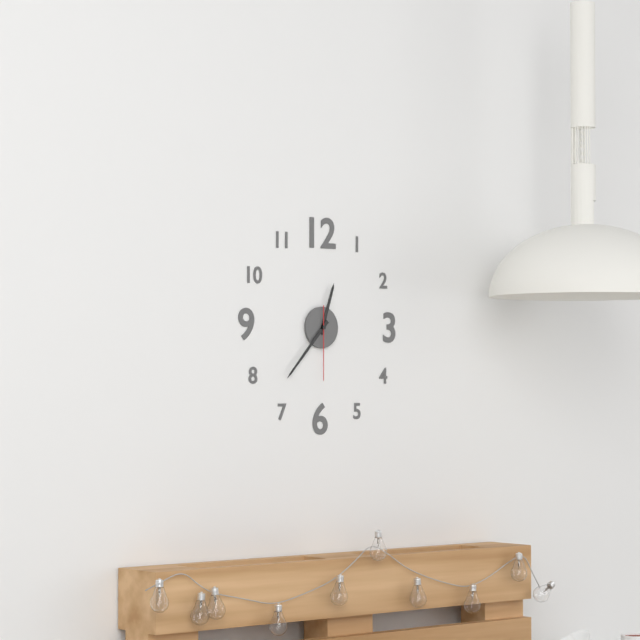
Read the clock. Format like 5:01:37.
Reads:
12:37:30
